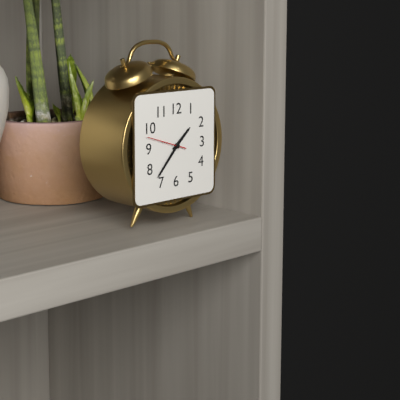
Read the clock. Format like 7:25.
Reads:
1:37
